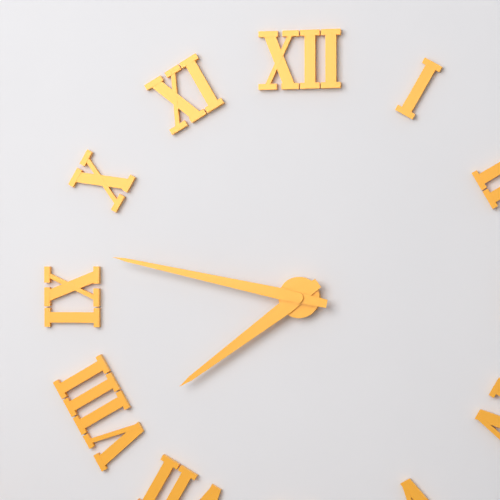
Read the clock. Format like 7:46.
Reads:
7:47
